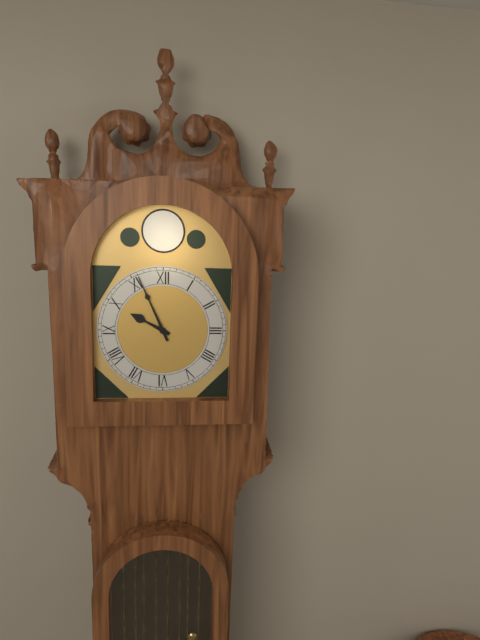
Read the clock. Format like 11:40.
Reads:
9:56
